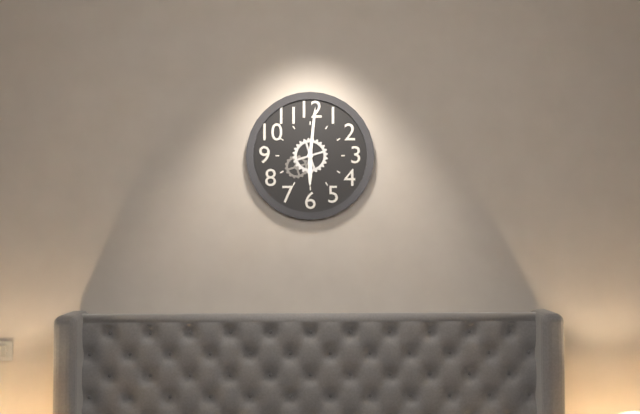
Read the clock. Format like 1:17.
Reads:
6:01
